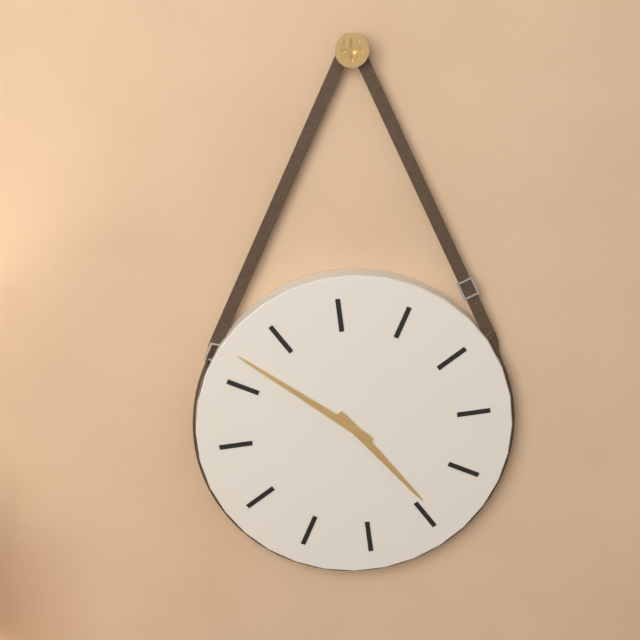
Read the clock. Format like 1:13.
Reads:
4:52
